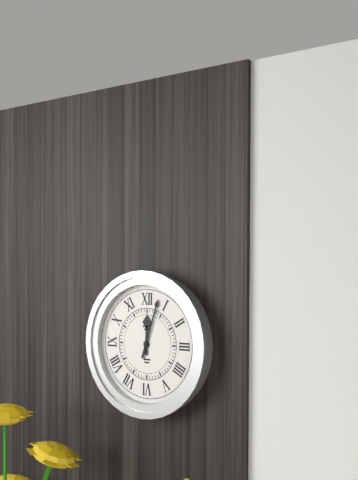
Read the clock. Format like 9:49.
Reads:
12:03
